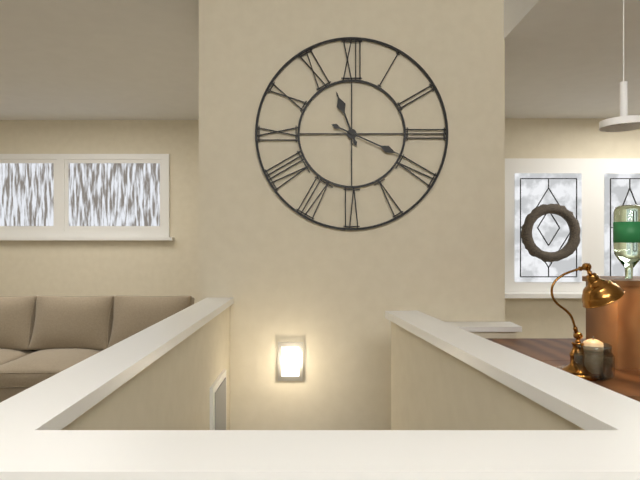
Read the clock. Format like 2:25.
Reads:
11:19
